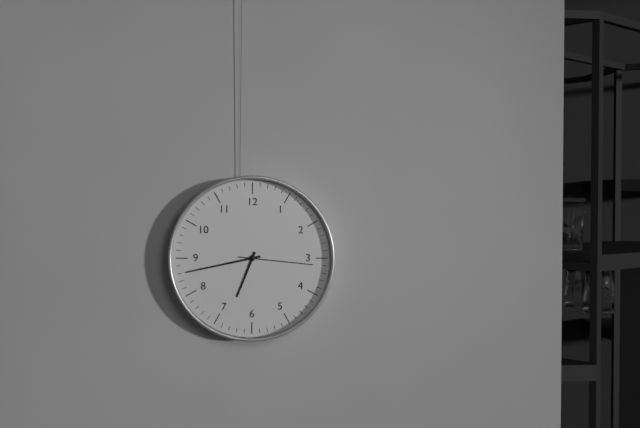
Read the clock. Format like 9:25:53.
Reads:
6:43:16
